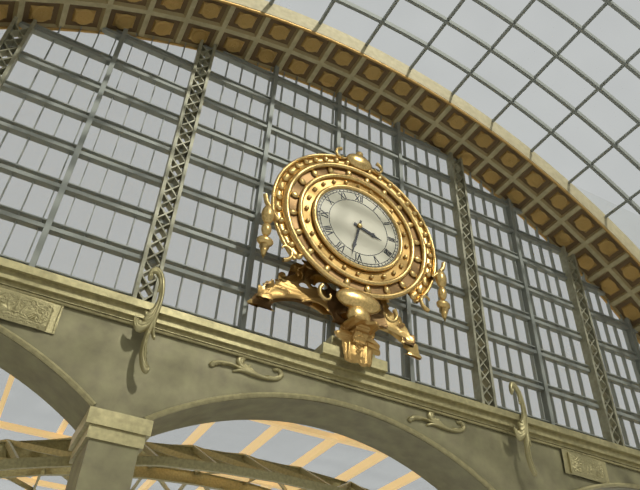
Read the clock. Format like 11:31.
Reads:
3:32
